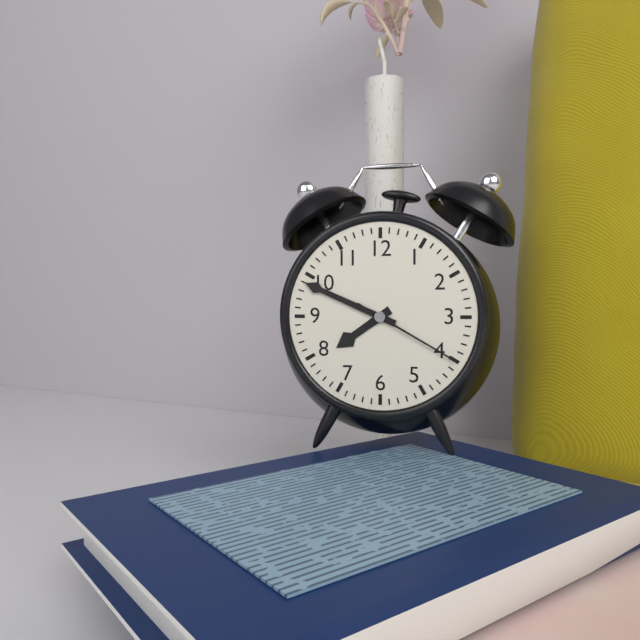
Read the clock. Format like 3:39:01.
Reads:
7:49:20
